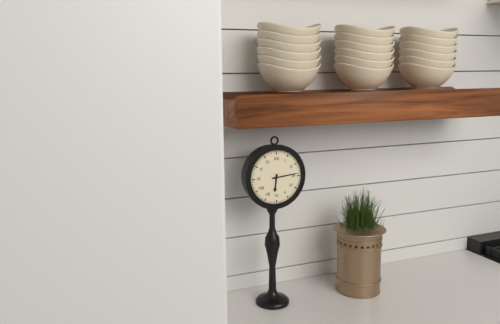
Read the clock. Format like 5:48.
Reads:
6:14
